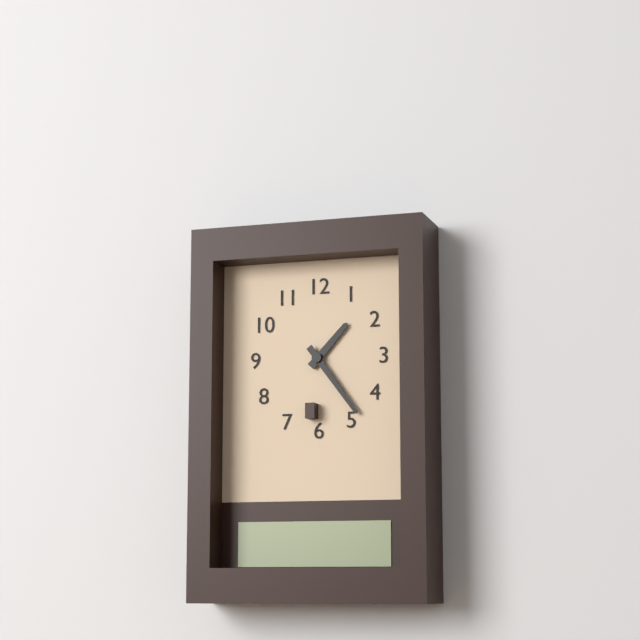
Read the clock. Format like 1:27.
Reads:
1:24
